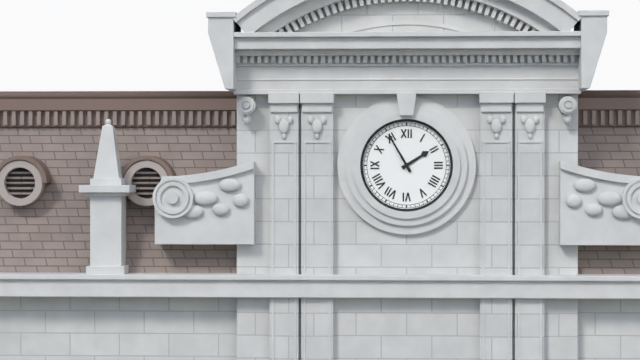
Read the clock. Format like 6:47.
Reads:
1:55
